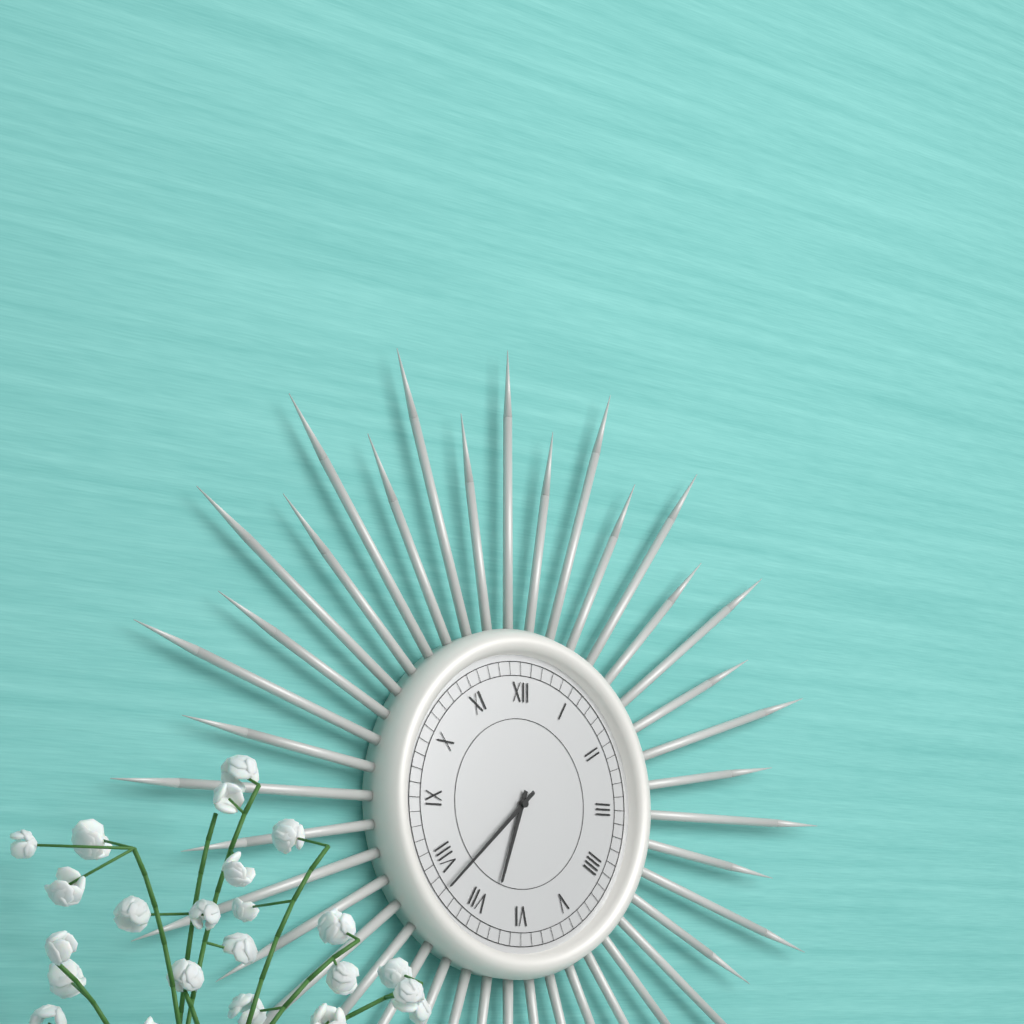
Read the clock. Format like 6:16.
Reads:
6:38
